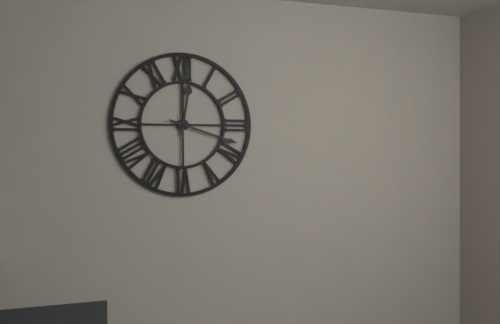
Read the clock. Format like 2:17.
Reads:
12:18
